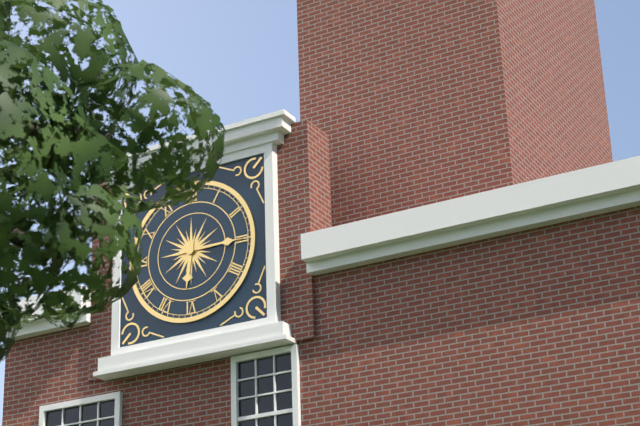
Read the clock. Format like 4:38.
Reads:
6:15
